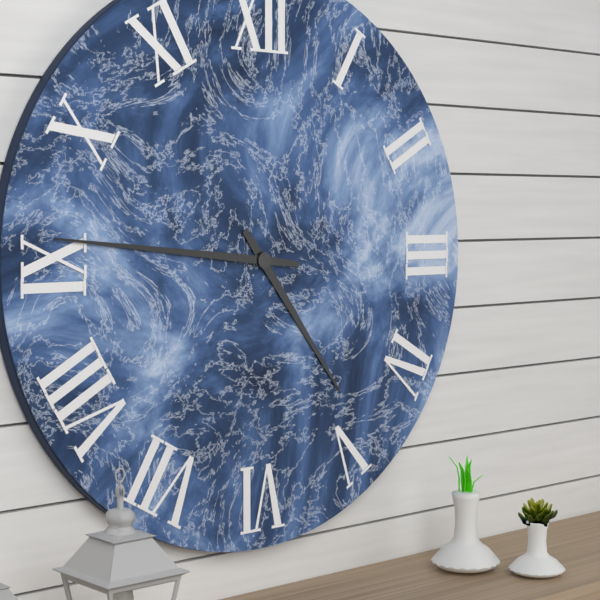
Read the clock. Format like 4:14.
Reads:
4:46
